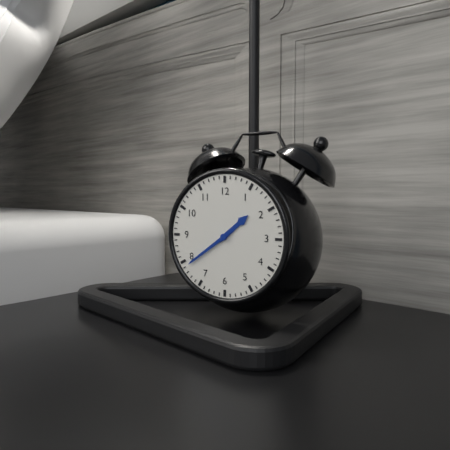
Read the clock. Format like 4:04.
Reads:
1:39
